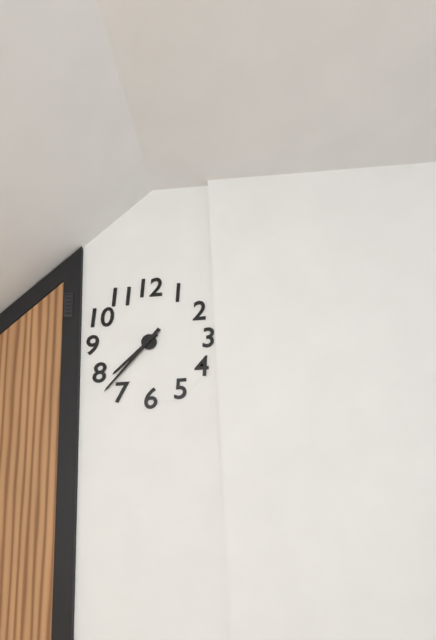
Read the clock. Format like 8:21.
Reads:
7:37
